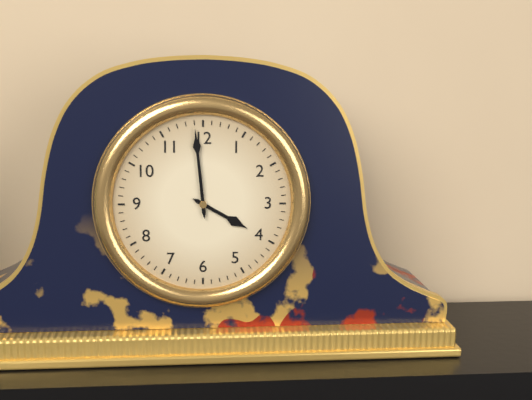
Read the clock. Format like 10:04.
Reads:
3:59
